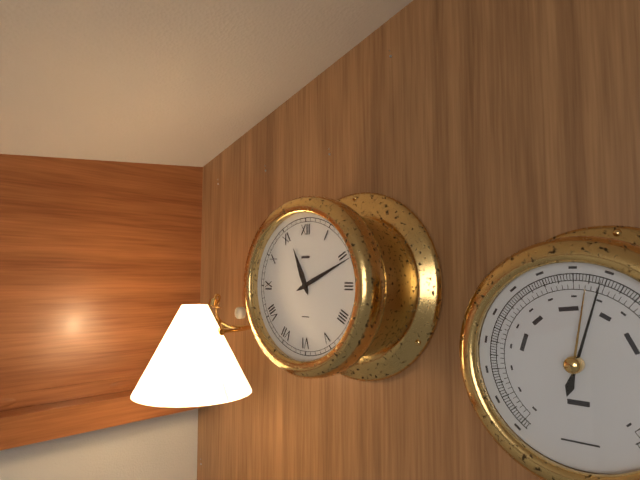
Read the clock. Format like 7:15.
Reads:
11:11
